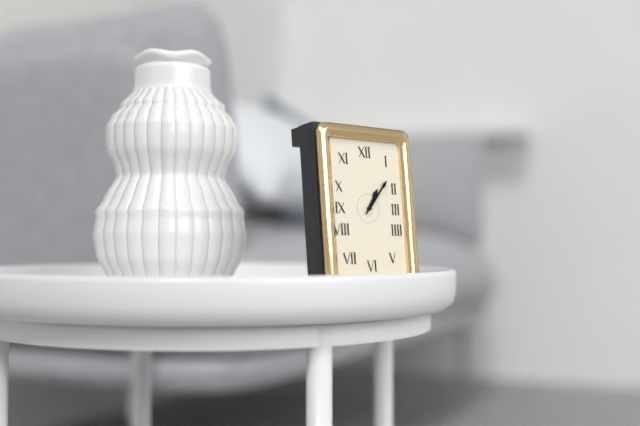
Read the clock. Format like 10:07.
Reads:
1:07
